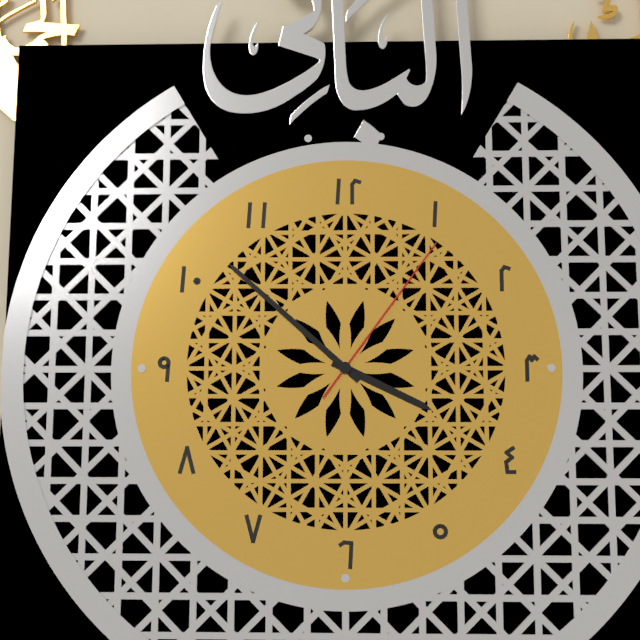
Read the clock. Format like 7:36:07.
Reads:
3:52:06
